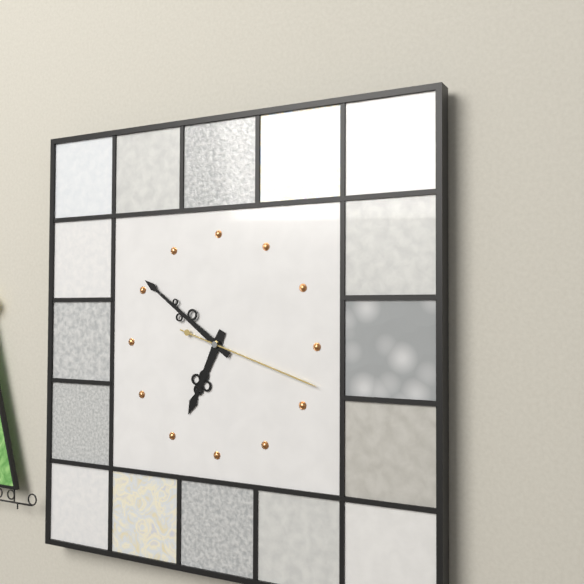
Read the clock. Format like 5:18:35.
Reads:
6:51:18
